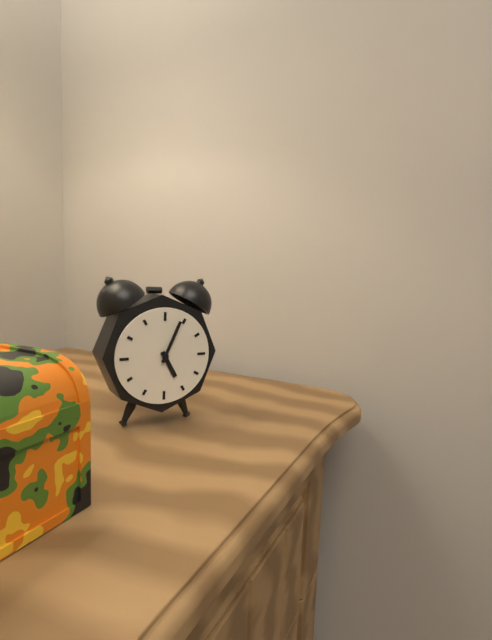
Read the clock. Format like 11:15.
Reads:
5:04
